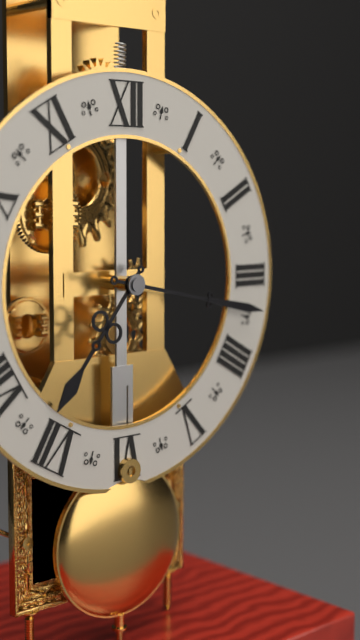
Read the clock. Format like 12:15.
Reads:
7:17
